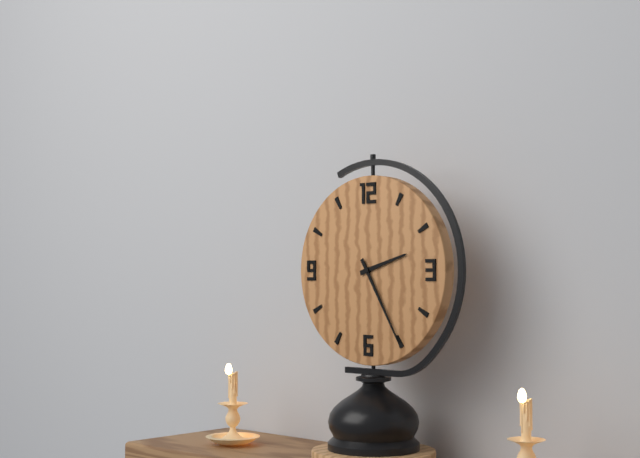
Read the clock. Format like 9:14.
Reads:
2:25
